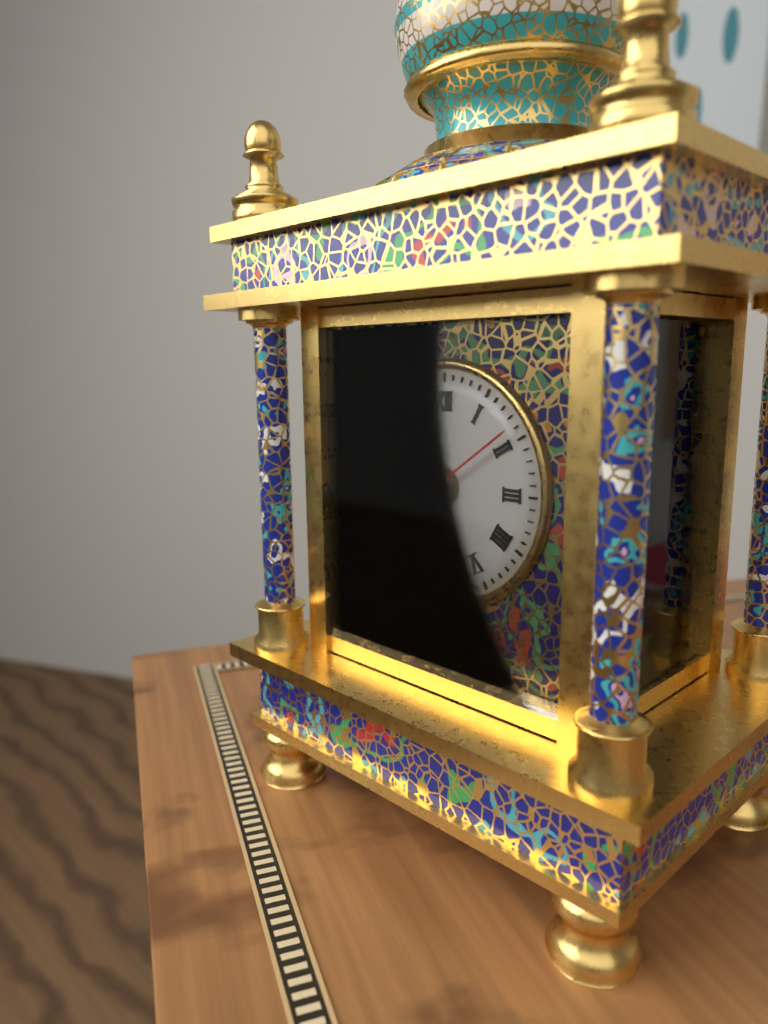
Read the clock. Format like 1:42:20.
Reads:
8:46:09
